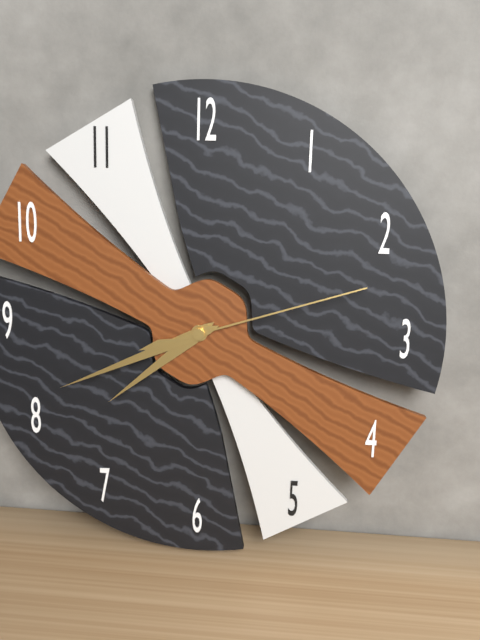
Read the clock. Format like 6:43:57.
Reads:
7:41:12
